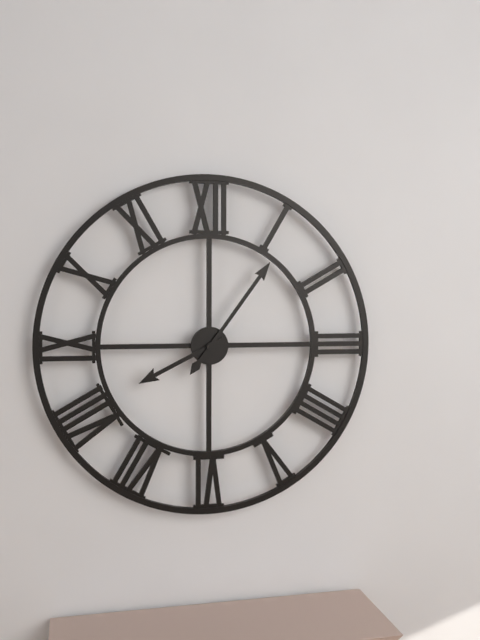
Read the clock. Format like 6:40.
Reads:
8:06
